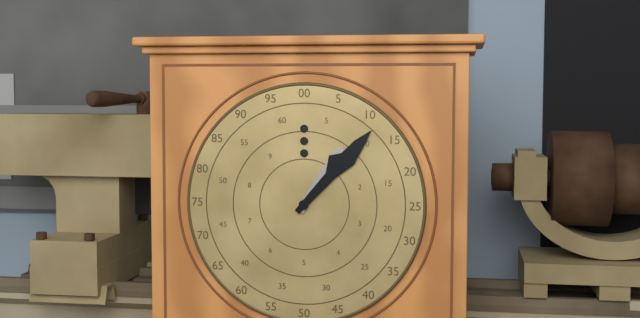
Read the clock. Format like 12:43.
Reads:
1:07
